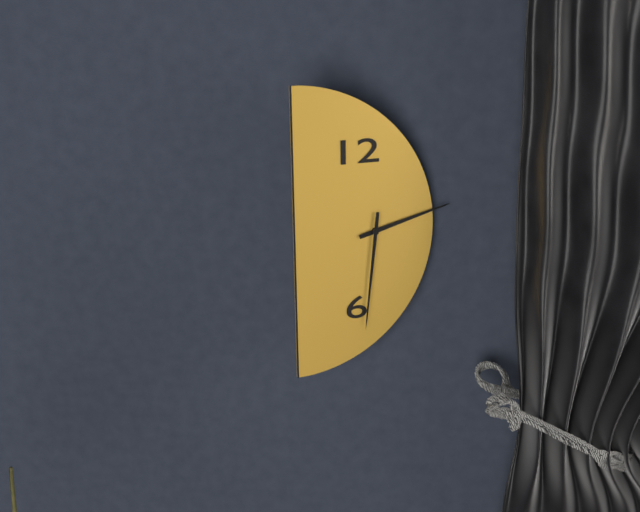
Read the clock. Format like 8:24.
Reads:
2:31
